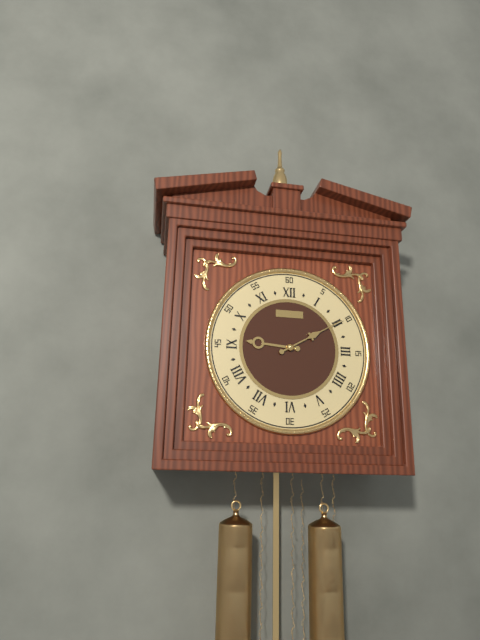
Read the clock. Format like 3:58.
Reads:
9:10
